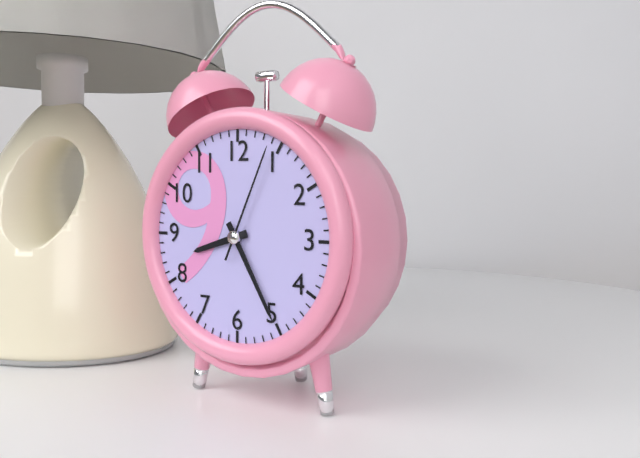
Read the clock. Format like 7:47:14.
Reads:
8:25:04
